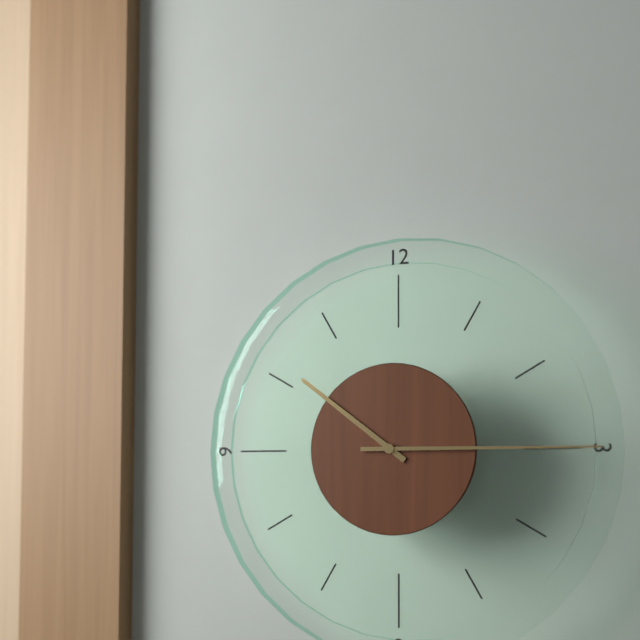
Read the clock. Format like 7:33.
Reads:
10:15
